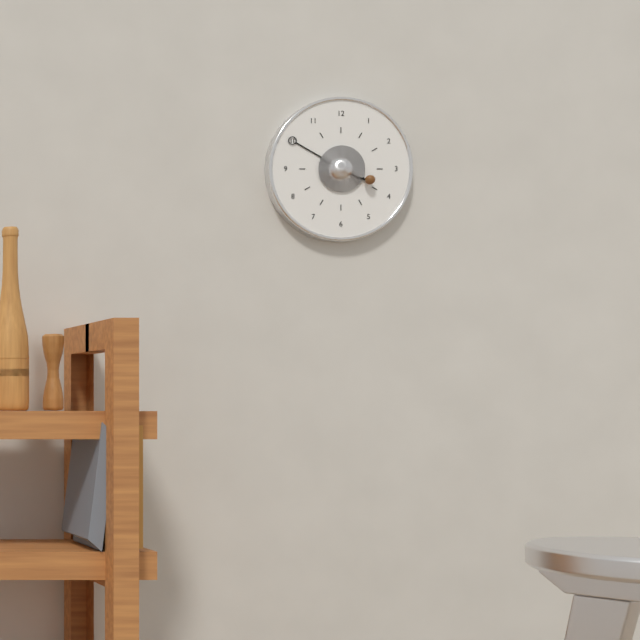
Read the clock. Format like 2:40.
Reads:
3:50
